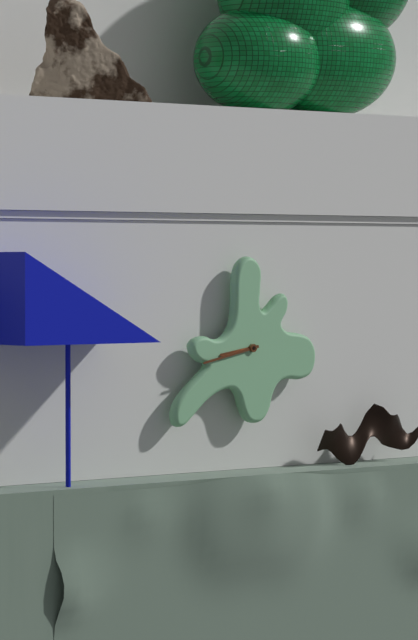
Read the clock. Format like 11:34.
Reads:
8:43
